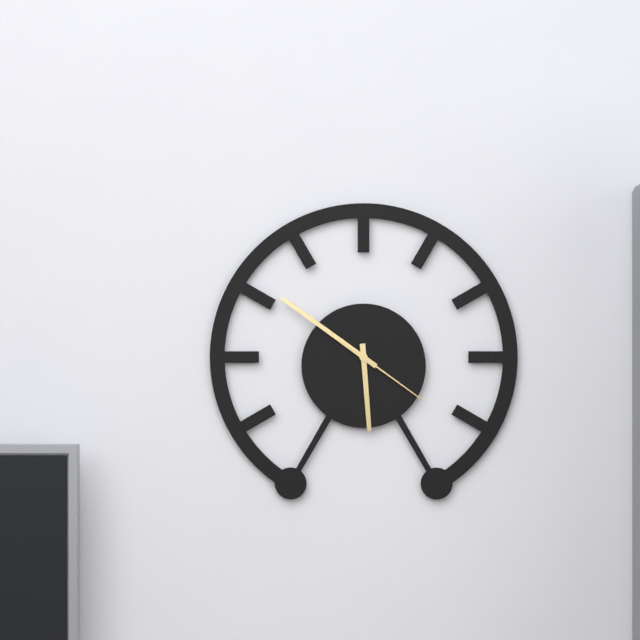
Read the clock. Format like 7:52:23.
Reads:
5:51:21
